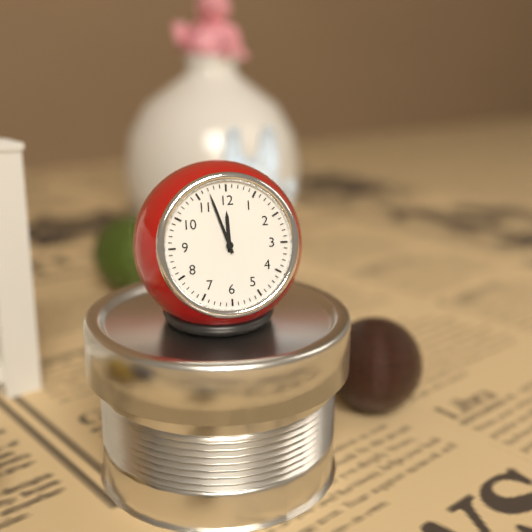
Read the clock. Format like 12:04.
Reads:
11:57
